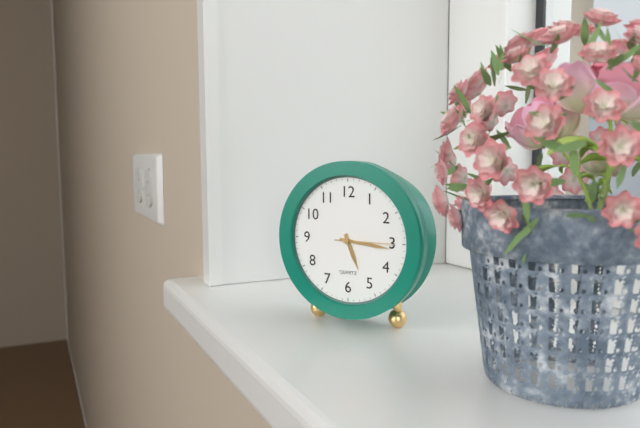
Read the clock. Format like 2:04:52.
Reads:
5:16:15
